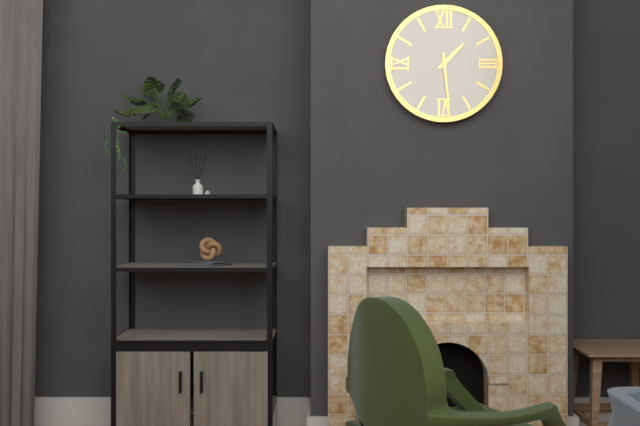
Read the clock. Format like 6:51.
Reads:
1:29
